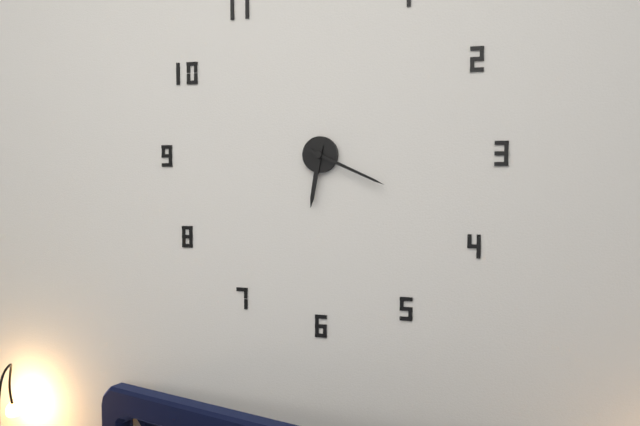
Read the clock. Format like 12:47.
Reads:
6:19
